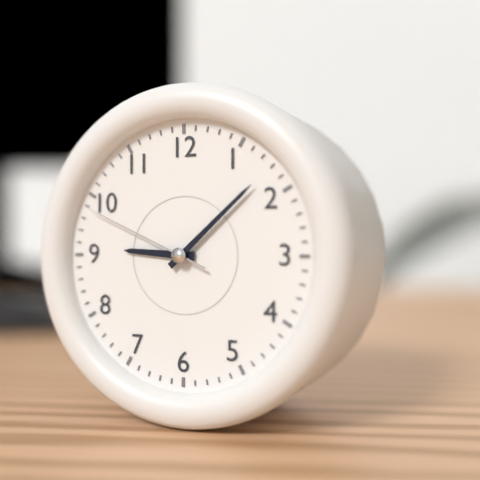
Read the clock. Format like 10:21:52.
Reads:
9:08:49
